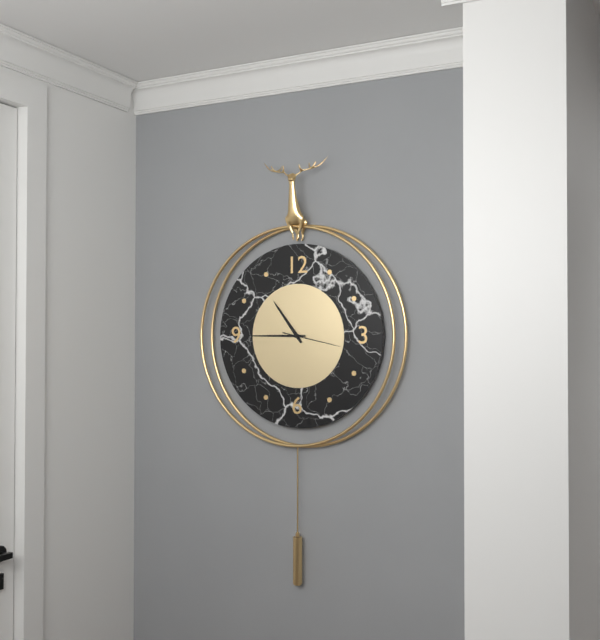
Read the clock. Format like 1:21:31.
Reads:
10:45:17
